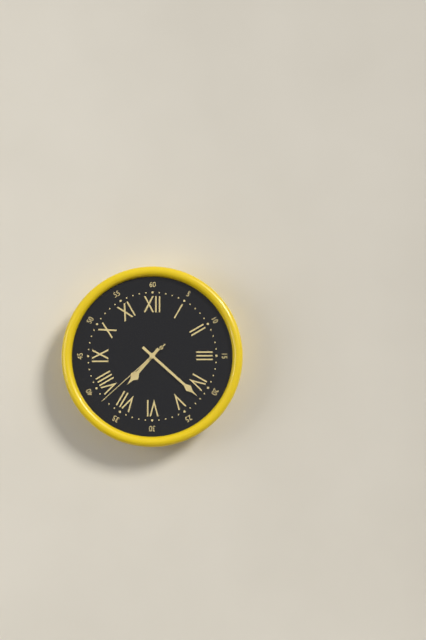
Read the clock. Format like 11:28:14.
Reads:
7:22:38
